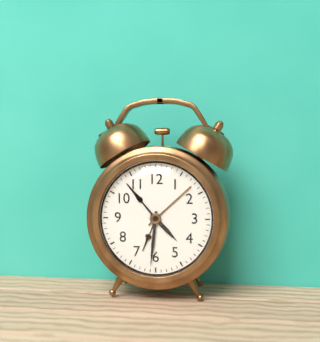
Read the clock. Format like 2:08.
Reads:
4:31
